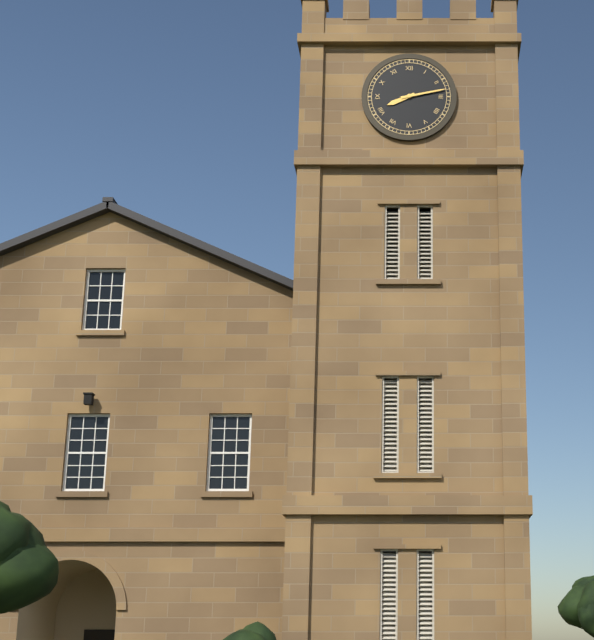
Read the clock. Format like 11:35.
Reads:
8:13
